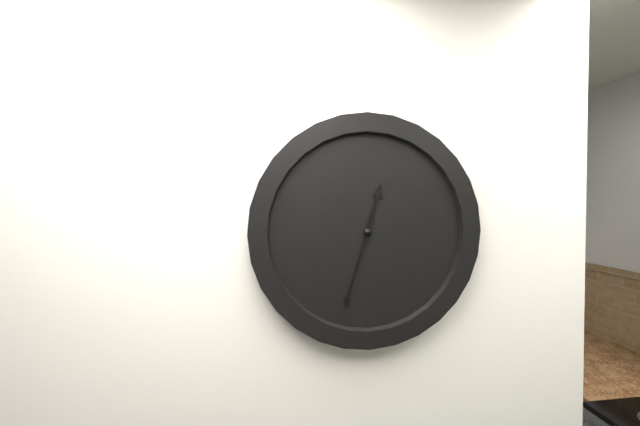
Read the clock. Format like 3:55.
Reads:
12:33
